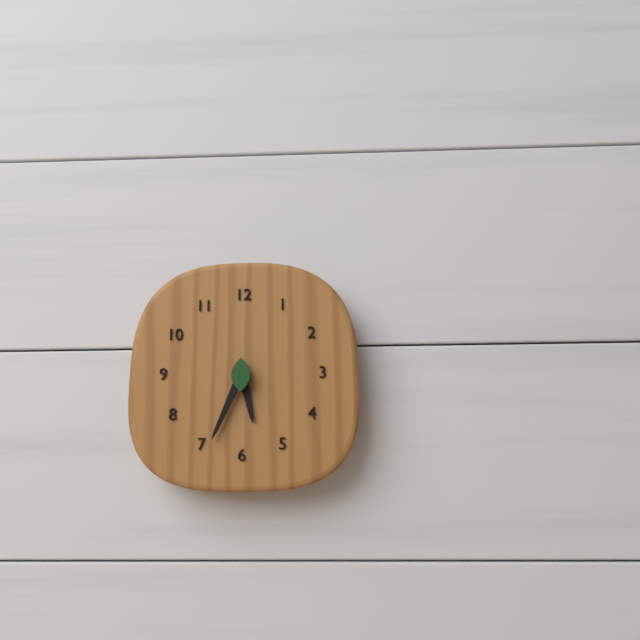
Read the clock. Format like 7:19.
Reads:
5:34
